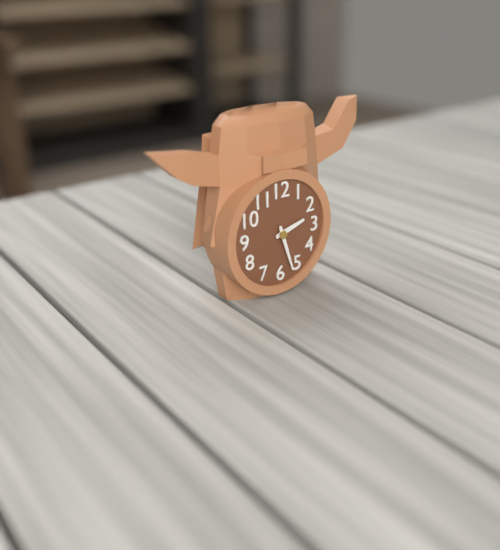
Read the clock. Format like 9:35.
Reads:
2:27
